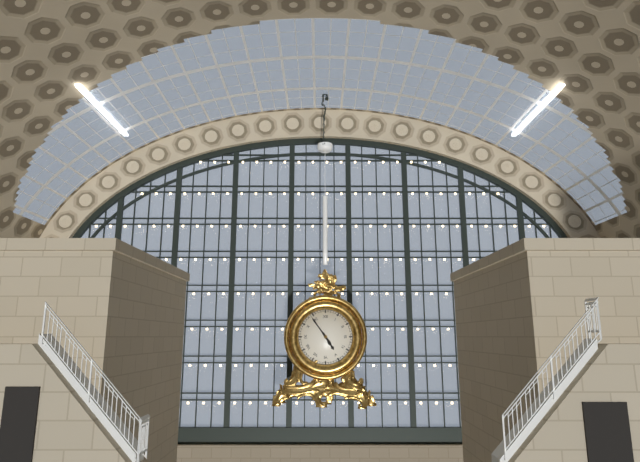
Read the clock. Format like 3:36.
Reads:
4:54
